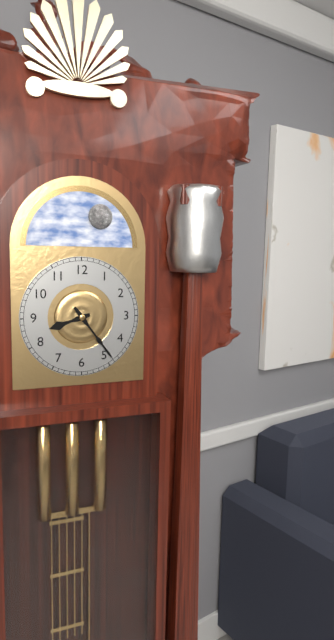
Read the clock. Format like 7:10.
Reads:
8:24
